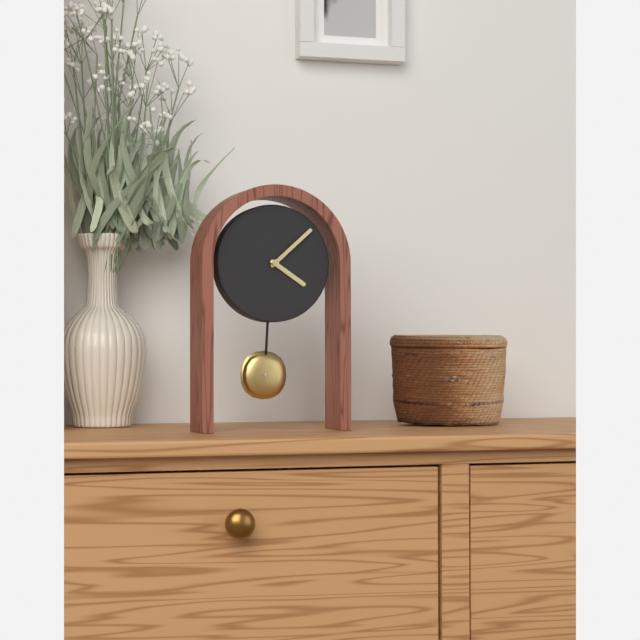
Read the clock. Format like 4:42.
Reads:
4:08
